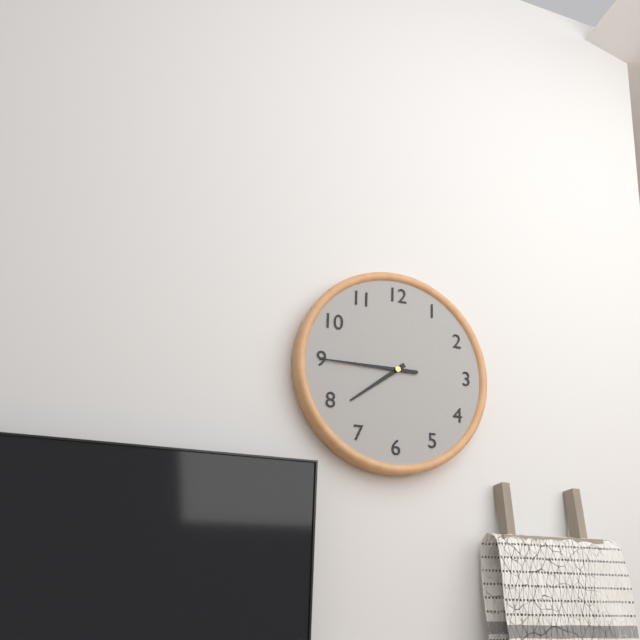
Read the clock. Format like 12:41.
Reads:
7:45
